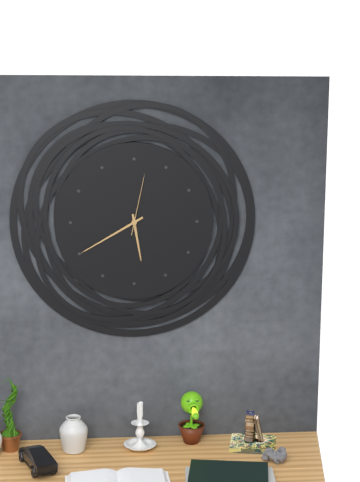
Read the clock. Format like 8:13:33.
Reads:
5:40:02
